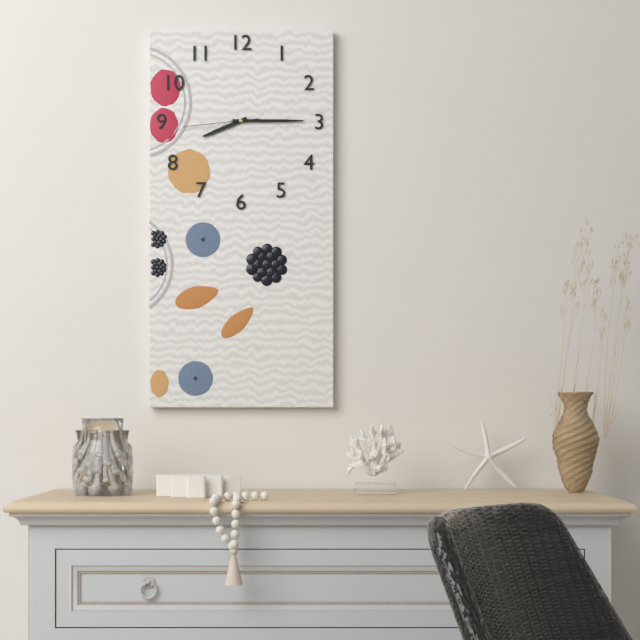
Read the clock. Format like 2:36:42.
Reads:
8:15:44
